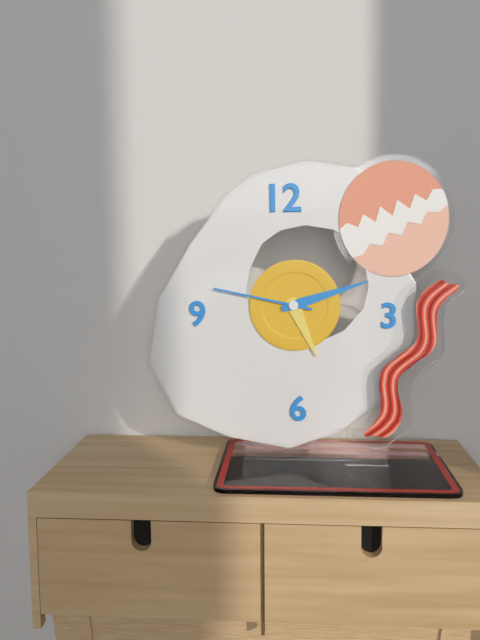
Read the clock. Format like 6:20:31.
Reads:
5:12:47
